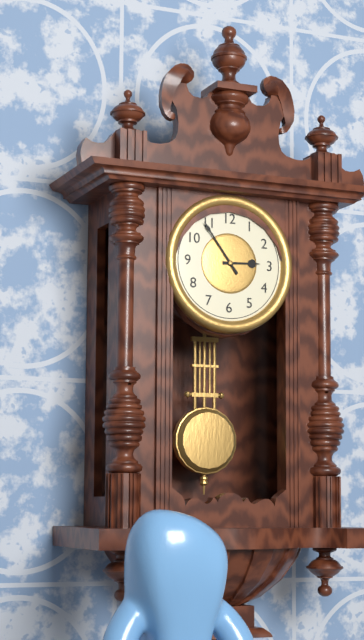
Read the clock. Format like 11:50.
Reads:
2:54
